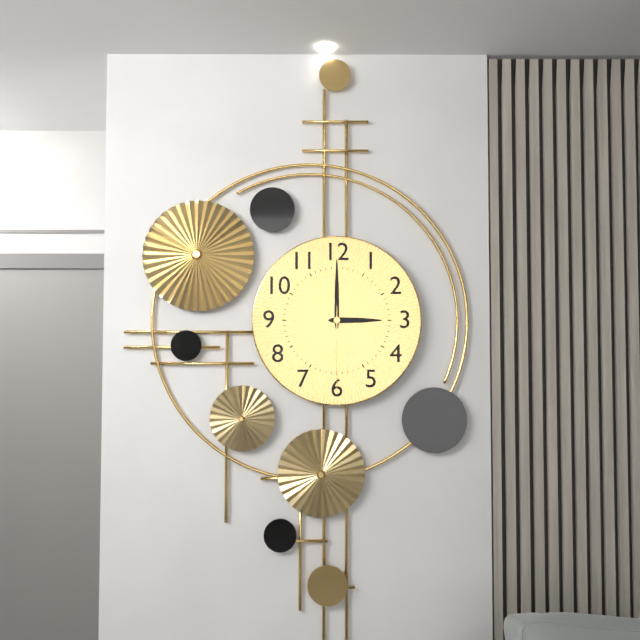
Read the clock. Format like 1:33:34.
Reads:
3:00:30
